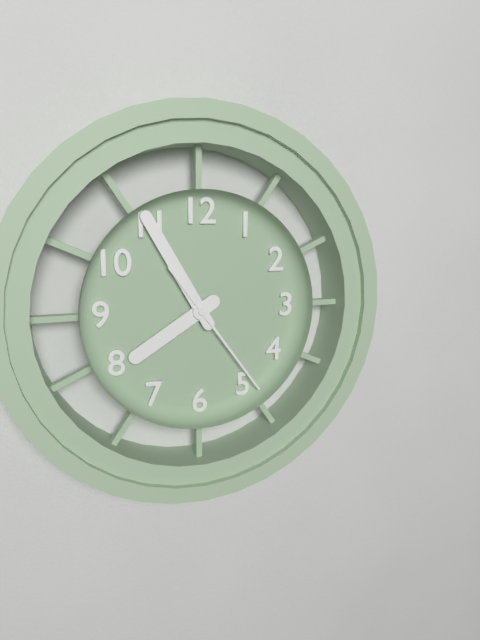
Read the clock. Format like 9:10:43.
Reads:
7:55:24
